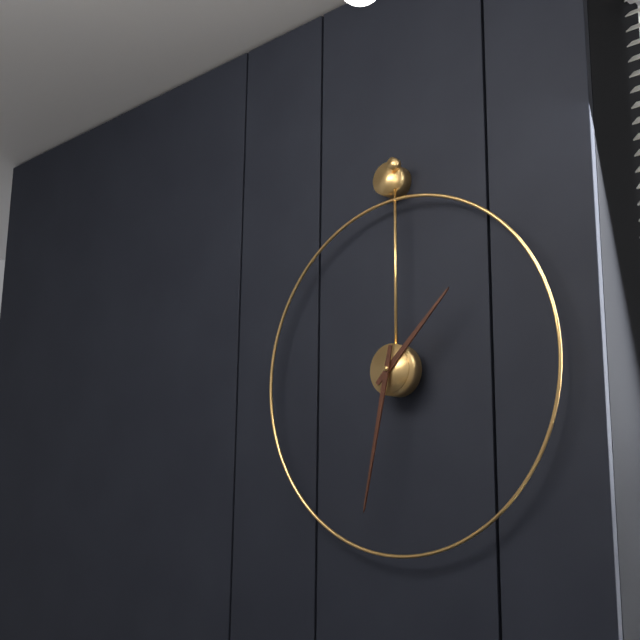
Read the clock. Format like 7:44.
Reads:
1:32
